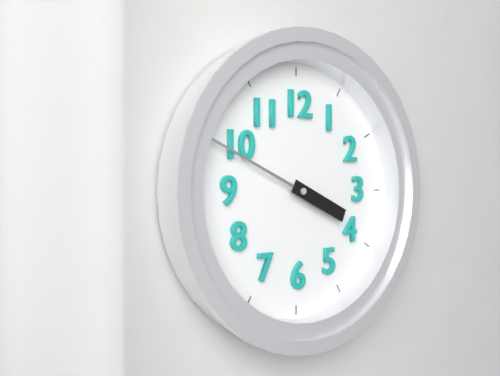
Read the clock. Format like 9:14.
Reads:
3:49
